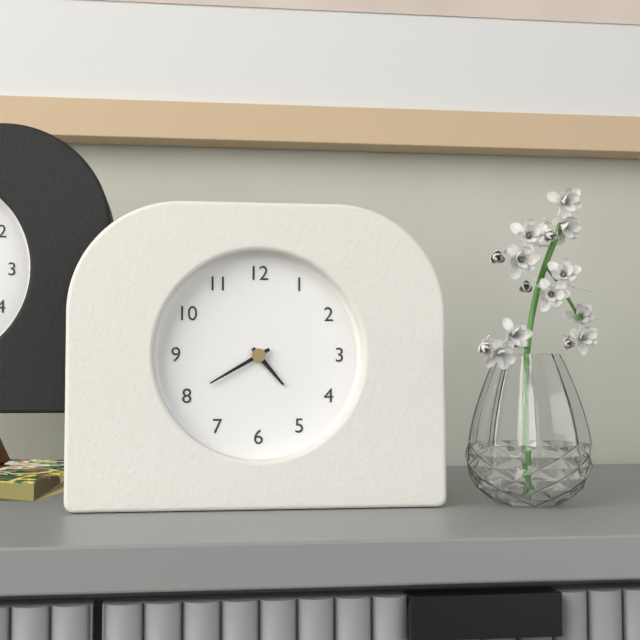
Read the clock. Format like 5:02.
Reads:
4:40
